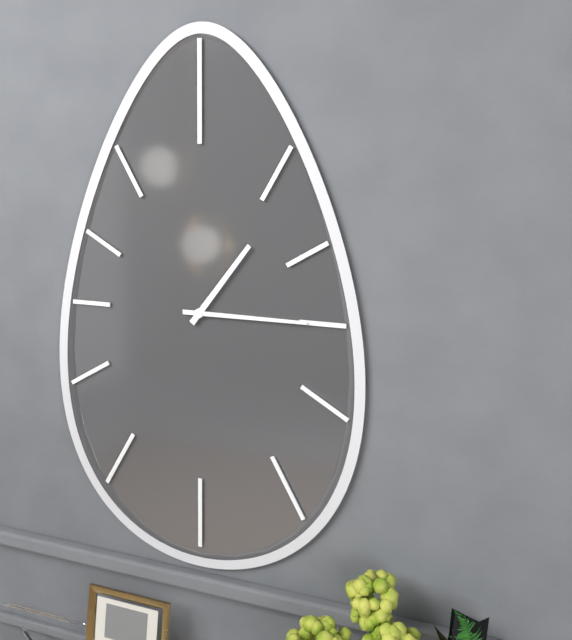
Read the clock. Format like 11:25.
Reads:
1:15
